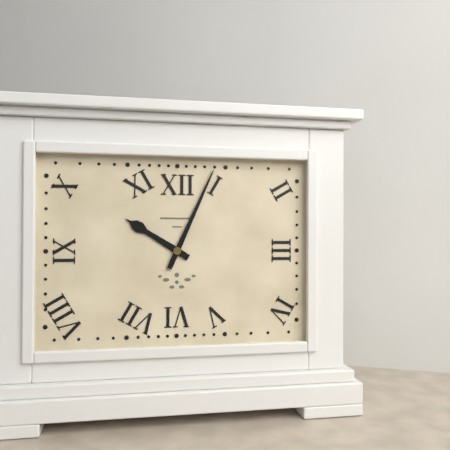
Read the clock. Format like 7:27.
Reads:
10:04
